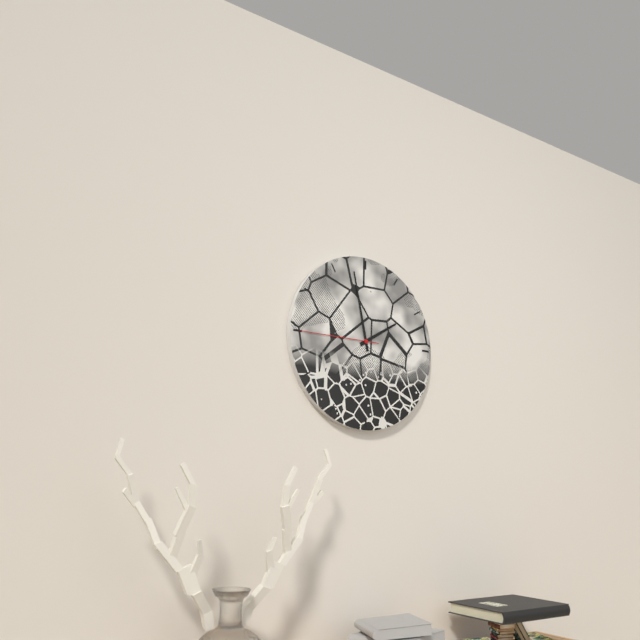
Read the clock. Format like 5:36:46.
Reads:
1:58:45
